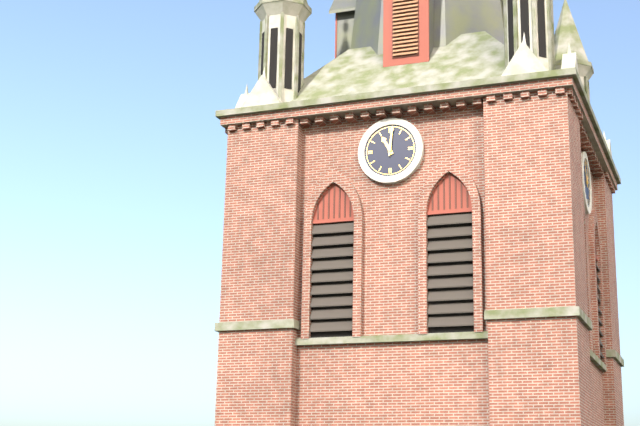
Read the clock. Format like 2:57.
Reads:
11:01
